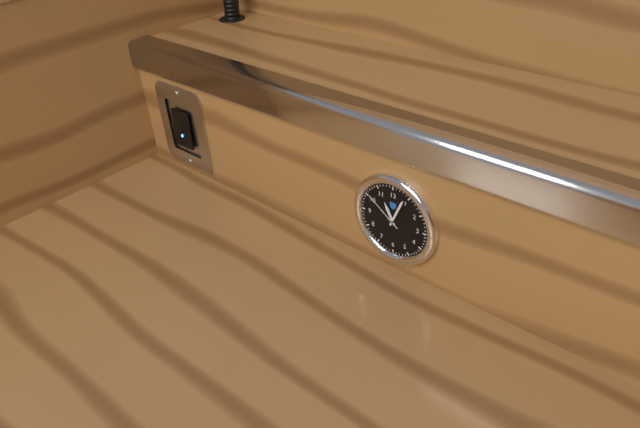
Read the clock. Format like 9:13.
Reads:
11:04
